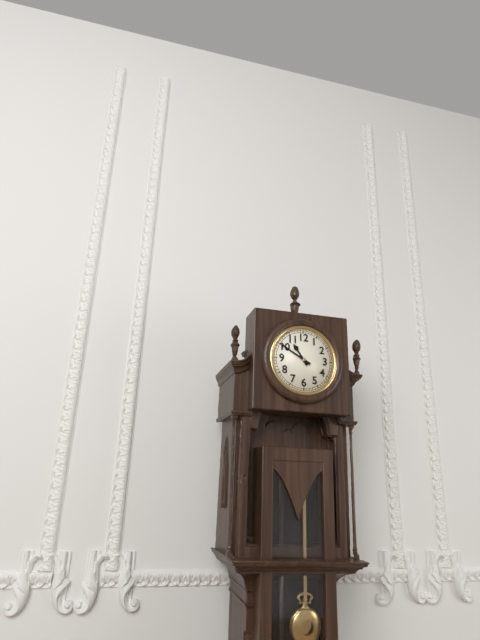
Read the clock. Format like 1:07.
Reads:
10:50
